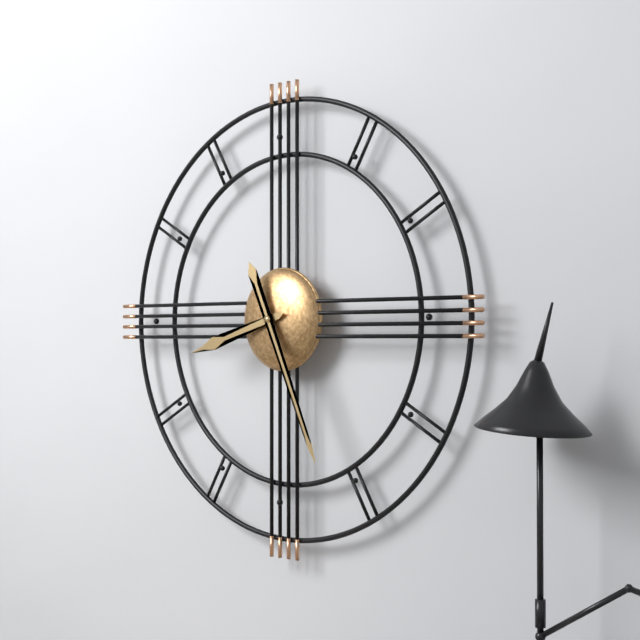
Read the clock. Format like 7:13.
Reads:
8:26
